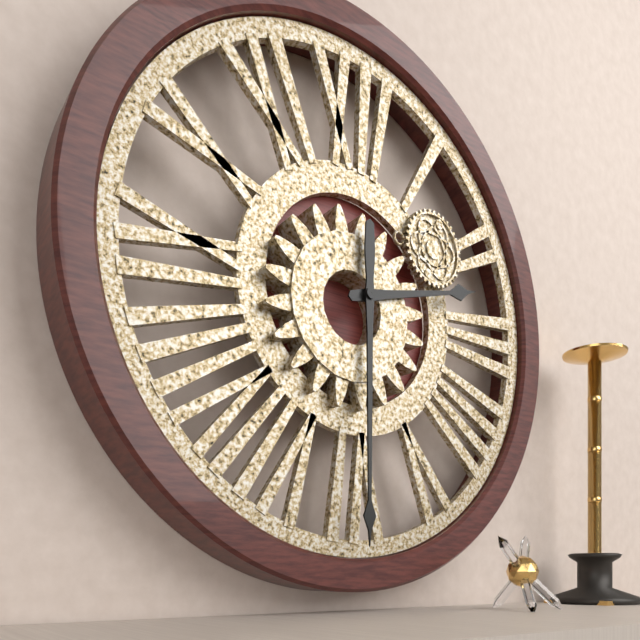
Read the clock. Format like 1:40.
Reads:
2:30
